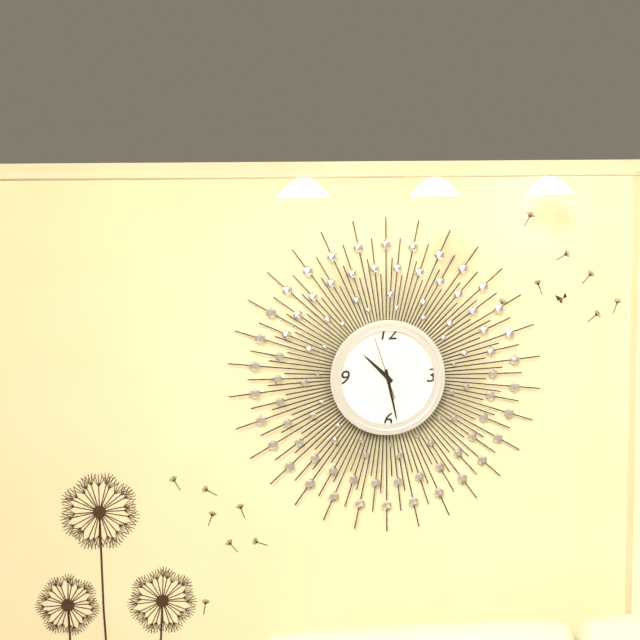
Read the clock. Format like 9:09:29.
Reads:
10:28:57
